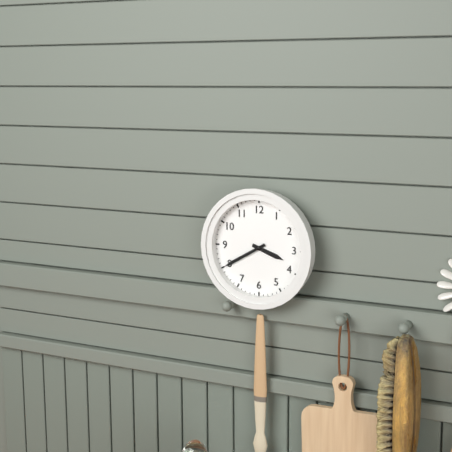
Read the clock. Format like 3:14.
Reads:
3:40
